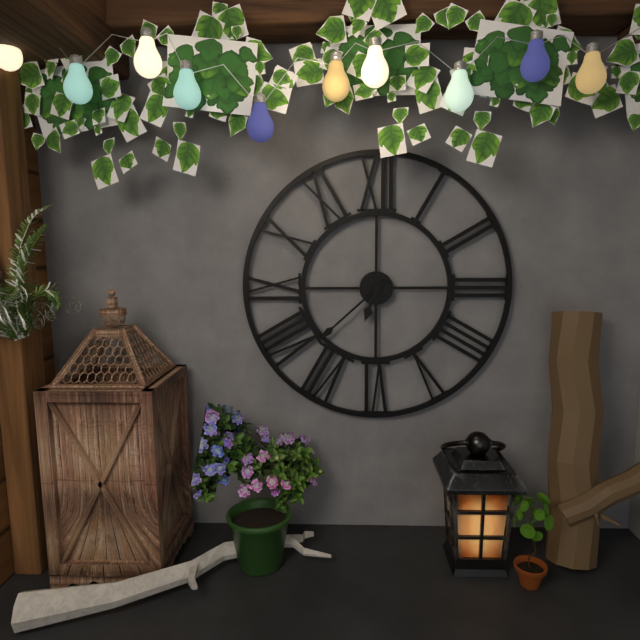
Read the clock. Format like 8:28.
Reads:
6:38
